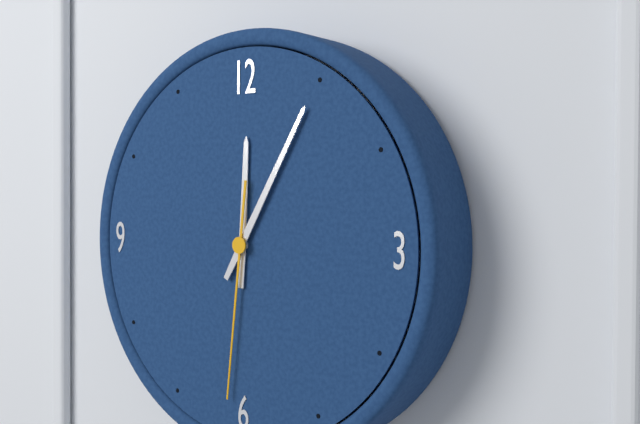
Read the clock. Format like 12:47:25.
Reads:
12:05:31
